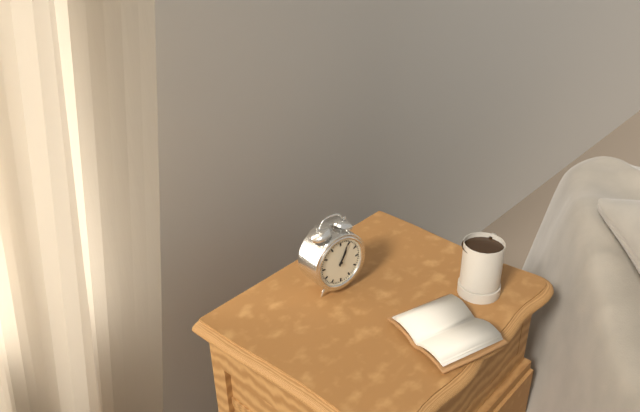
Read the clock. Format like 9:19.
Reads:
1:04
